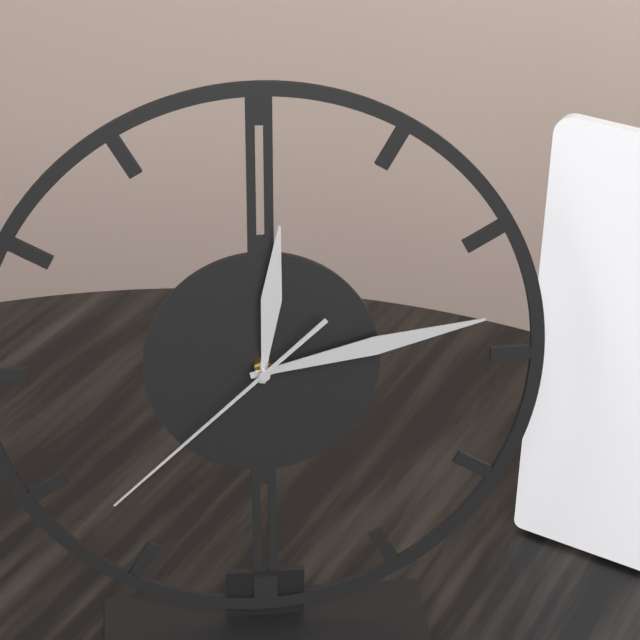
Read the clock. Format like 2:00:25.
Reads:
12:13:38
